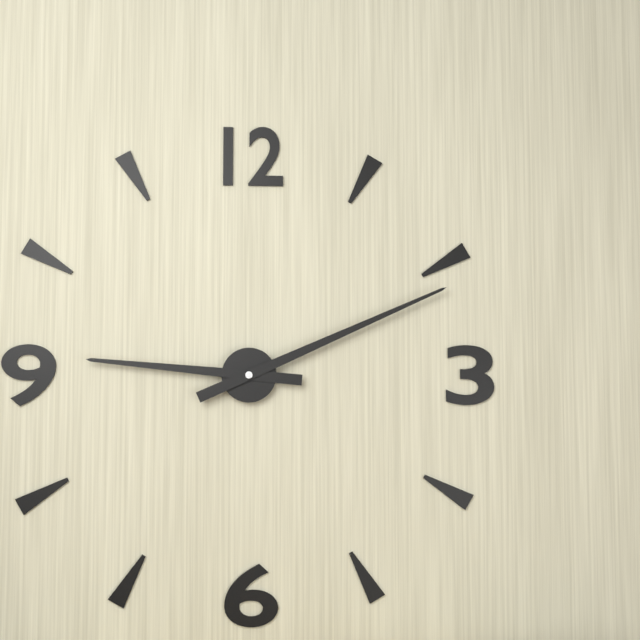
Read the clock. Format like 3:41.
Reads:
9:11
